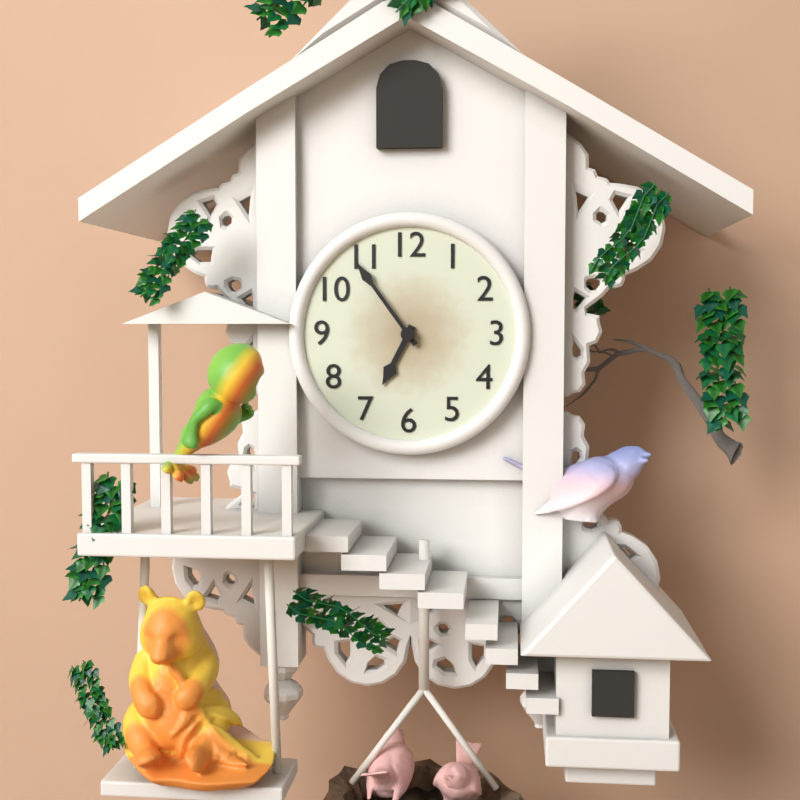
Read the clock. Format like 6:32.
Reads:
6:54
